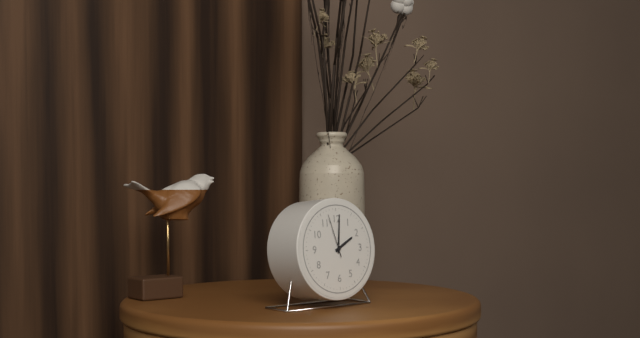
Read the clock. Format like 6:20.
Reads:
2:01
